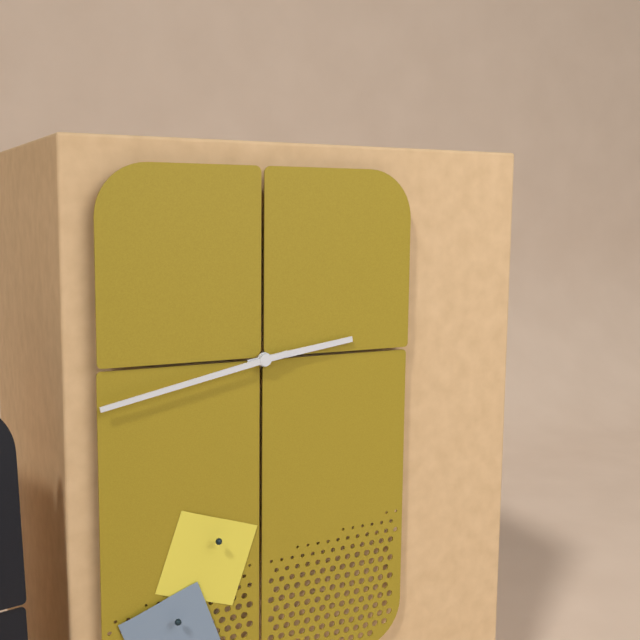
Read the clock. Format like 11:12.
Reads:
2:43
